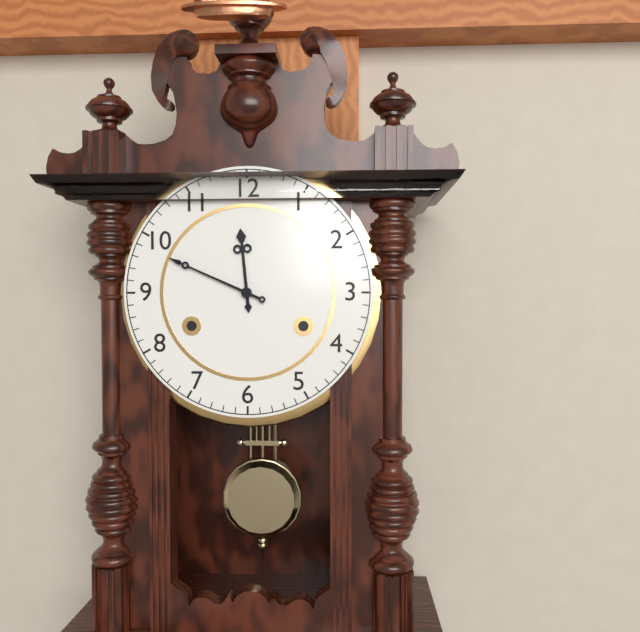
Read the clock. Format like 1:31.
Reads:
11:49
